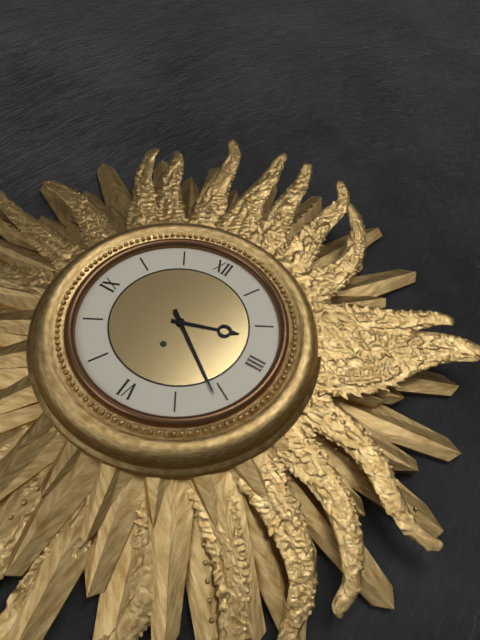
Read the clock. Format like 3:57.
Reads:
2:21
